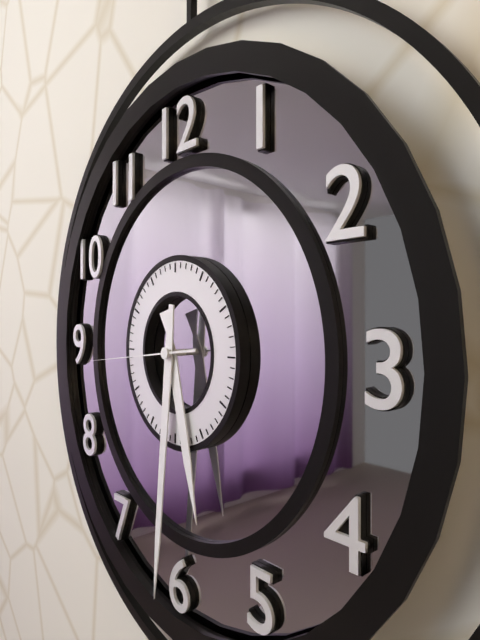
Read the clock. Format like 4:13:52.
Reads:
5:31:44
